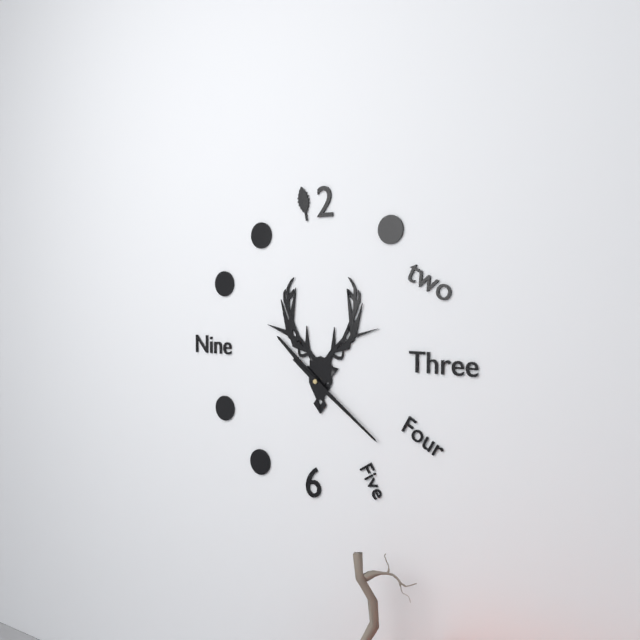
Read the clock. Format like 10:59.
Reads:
10:21
